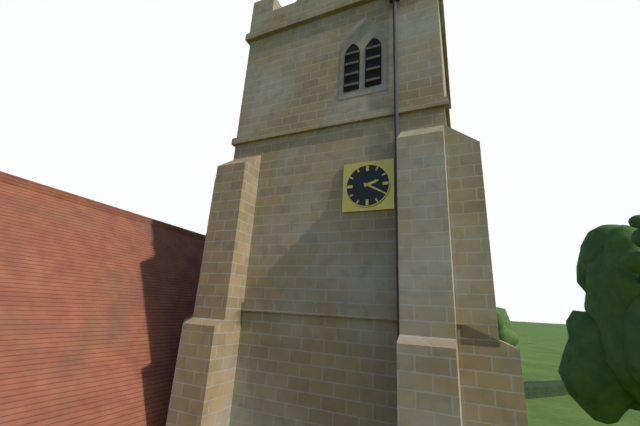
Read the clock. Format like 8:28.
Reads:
2:20
